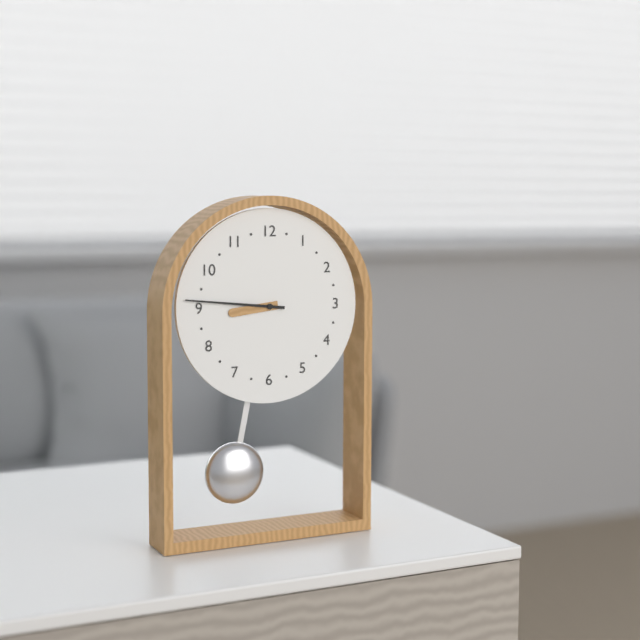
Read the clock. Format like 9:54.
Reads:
8:46
